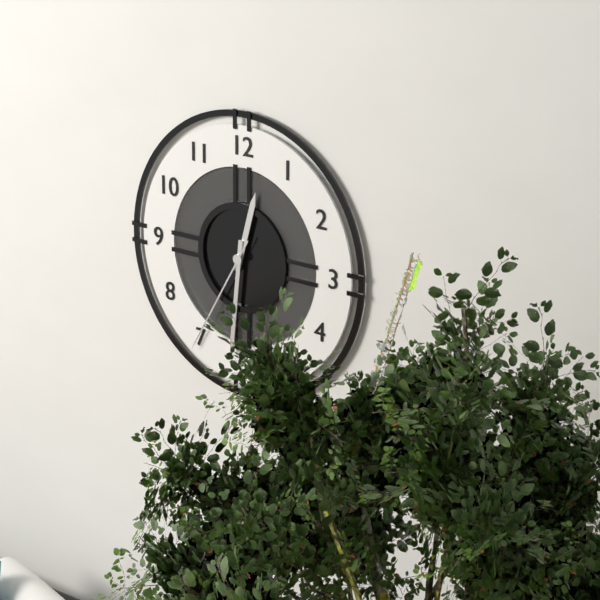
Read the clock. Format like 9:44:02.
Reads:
12:31:35
